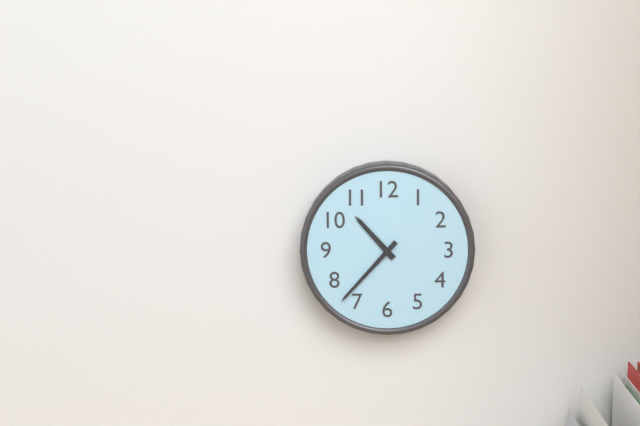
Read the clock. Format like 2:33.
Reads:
10:37
